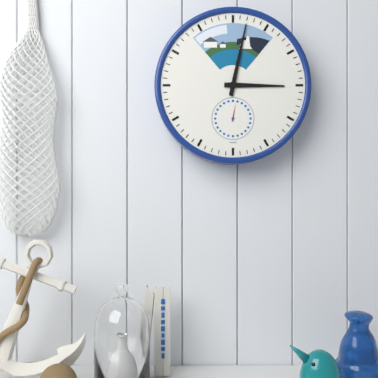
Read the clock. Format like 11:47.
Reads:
3:02
